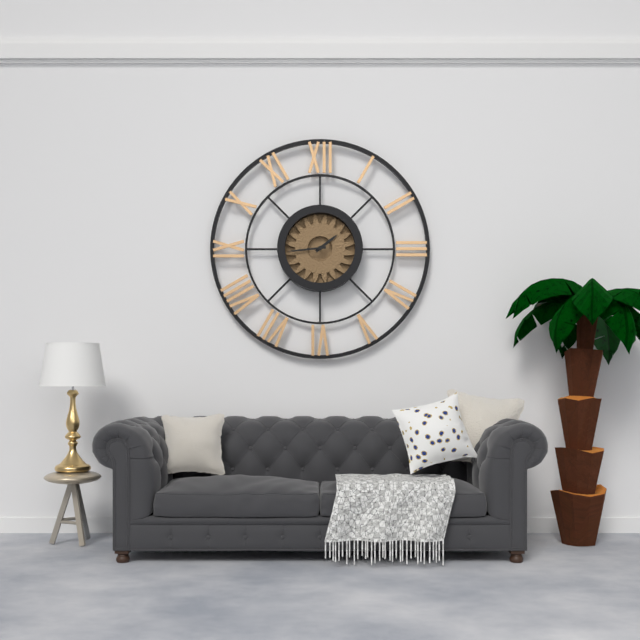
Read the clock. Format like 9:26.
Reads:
1:44
